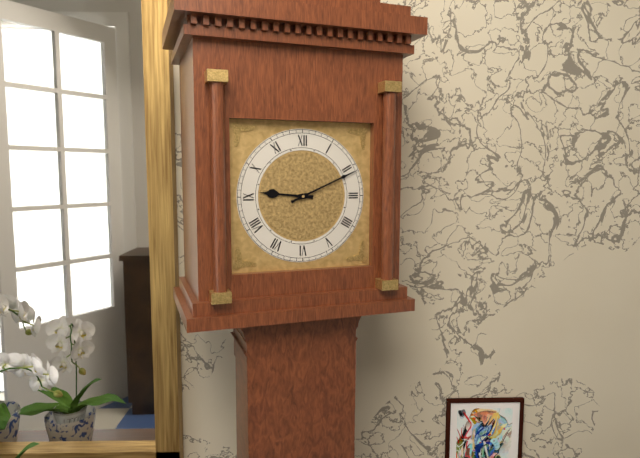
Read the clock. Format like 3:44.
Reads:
9:11
